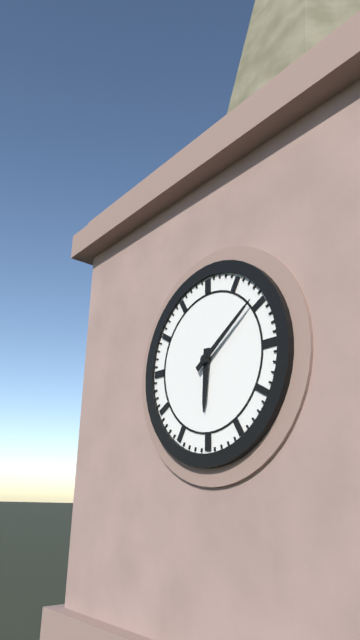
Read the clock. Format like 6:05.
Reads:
6:09
